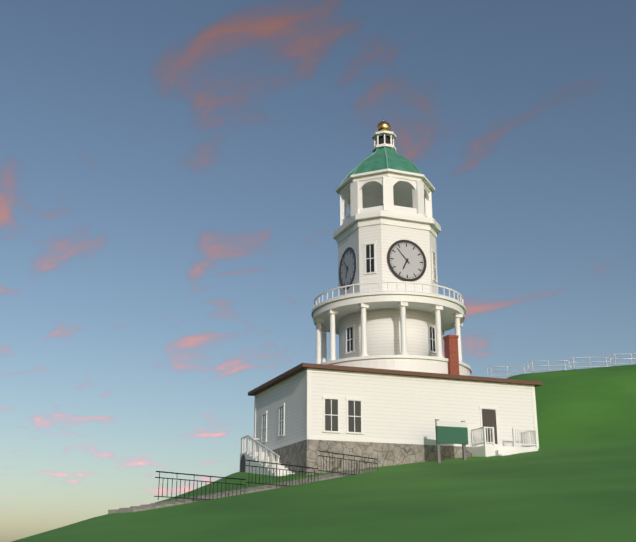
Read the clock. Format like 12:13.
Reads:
6:53
